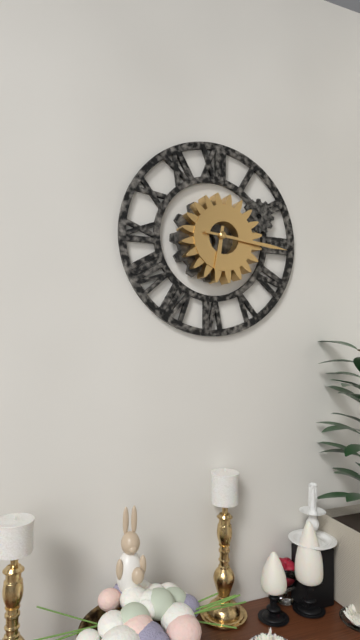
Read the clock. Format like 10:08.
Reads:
6:16
